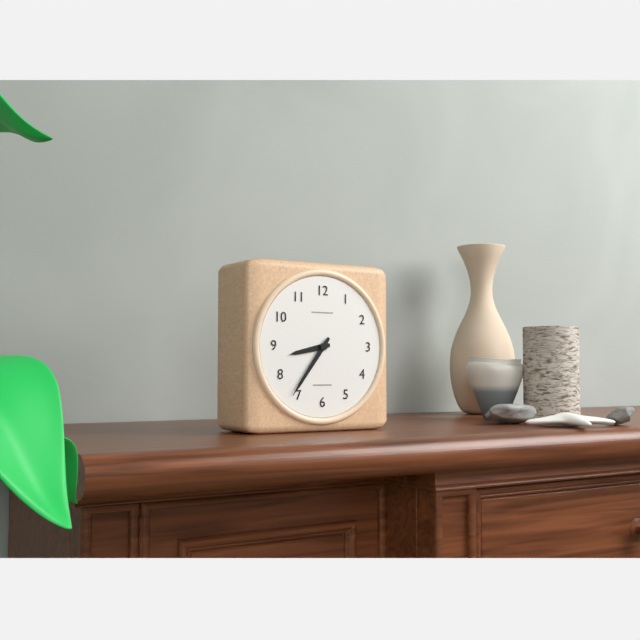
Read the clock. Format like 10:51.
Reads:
8:36
